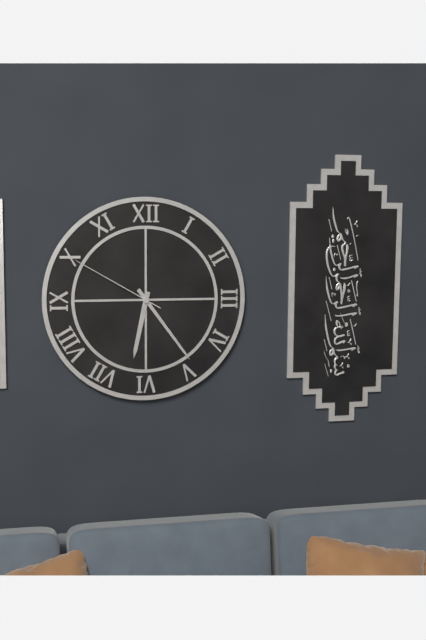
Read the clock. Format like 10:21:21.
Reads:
6:24:50
